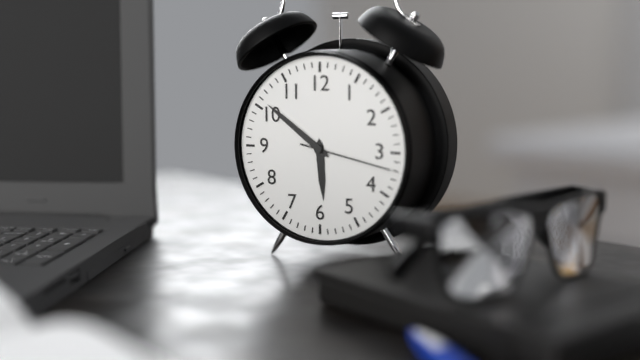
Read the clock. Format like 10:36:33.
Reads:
5:51:17
